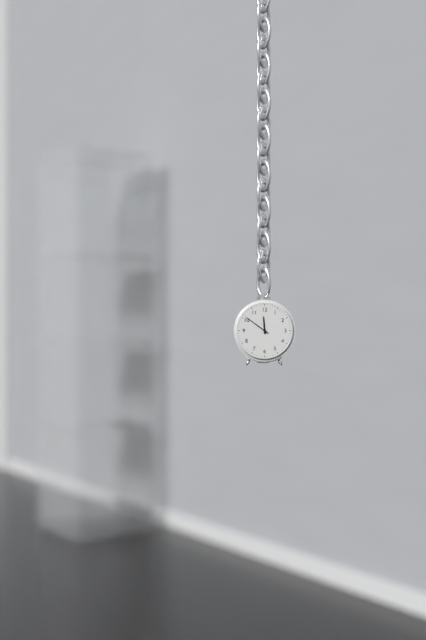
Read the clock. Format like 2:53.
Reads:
11:51
